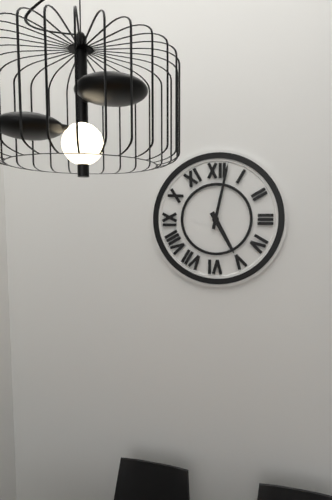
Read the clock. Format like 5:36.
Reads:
5:02
